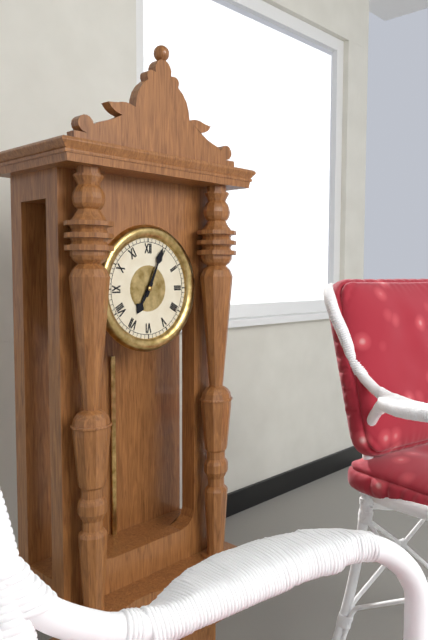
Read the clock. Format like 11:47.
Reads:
7:04
